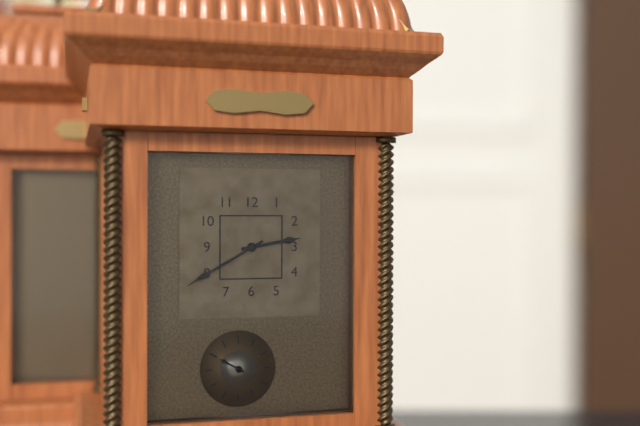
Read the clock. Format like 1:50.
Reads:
2:40
